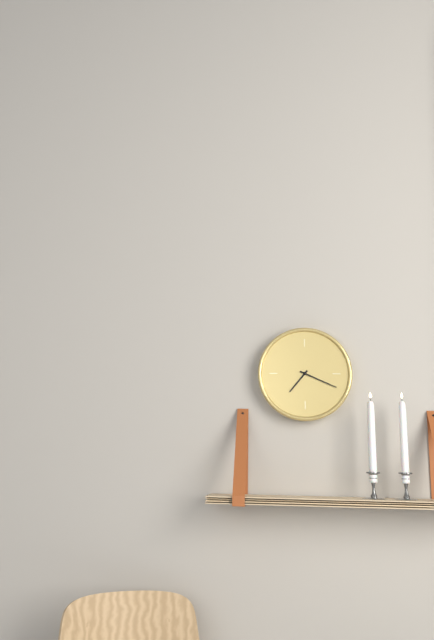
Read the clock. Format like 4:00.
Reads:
7:19
